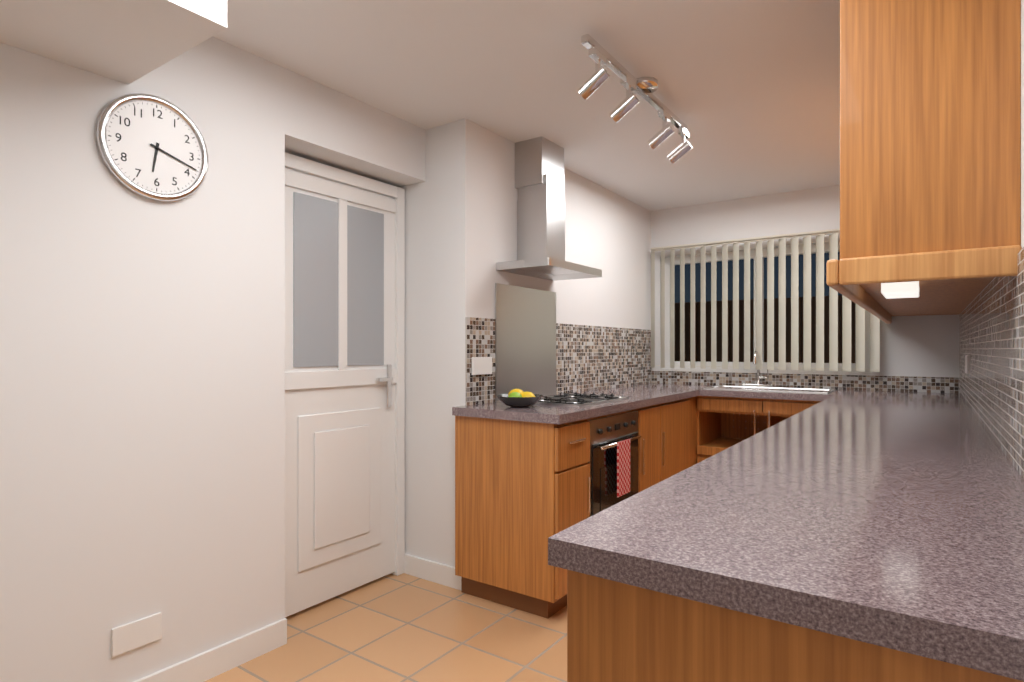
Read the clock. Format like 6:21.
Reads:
6:18
